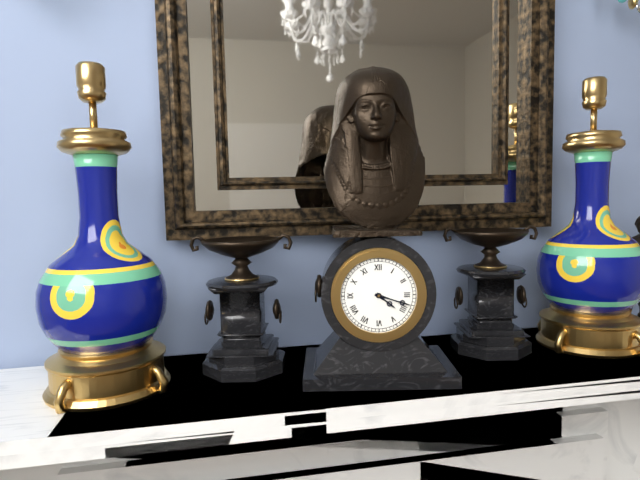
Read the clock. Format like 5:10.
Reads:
4:18
